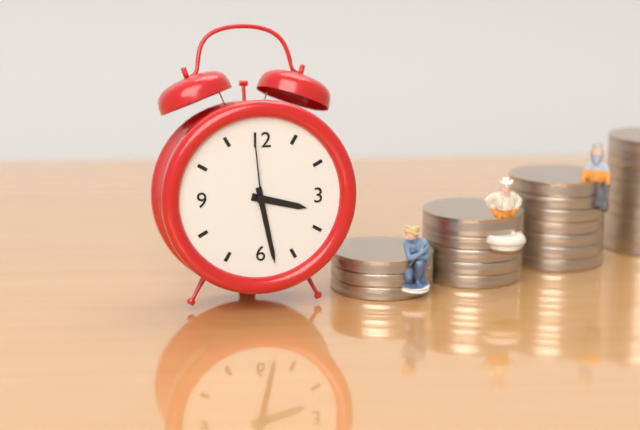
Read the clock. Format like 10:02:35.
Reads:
3:28:59
